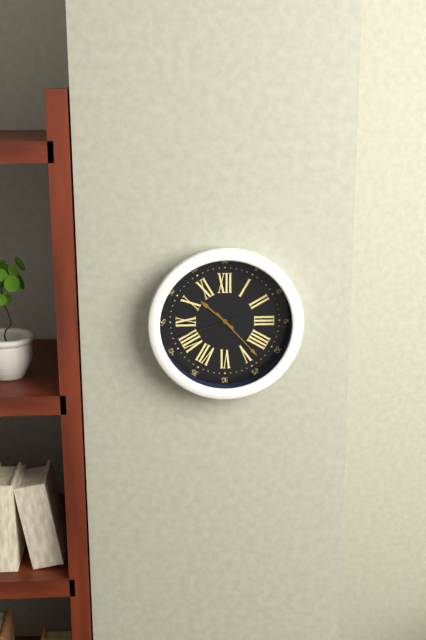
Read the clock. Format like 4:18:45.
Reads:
10:23:42
